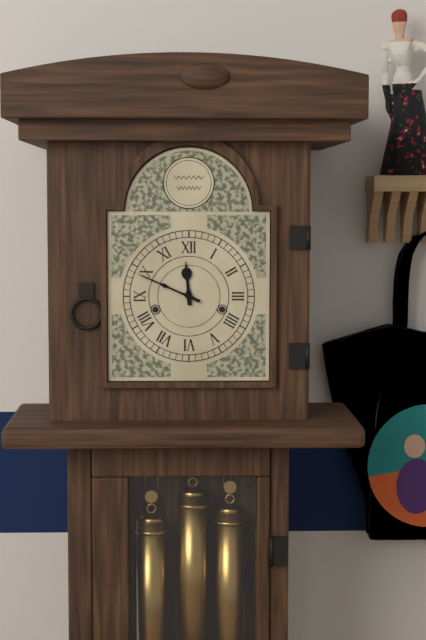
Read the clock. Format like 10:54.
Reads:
11:49
